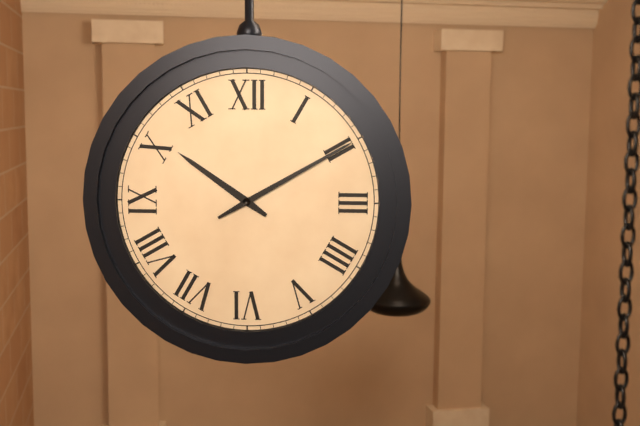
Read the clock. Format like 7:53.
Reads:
10:10
